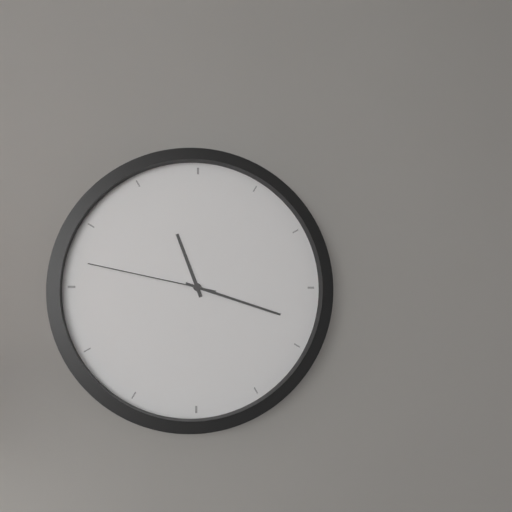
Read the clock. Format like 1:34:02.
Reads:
11:18:47
